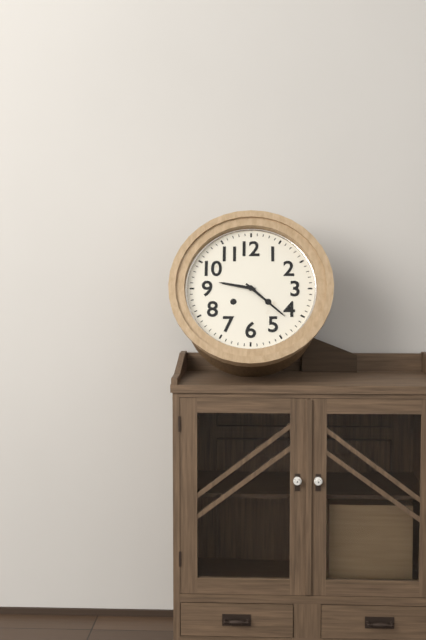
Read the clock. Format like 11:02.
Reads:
9:22
